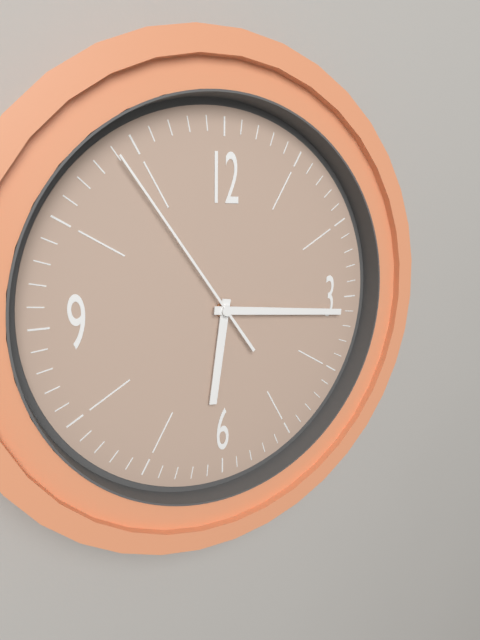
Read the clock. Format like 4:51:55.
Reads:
6:16:54
